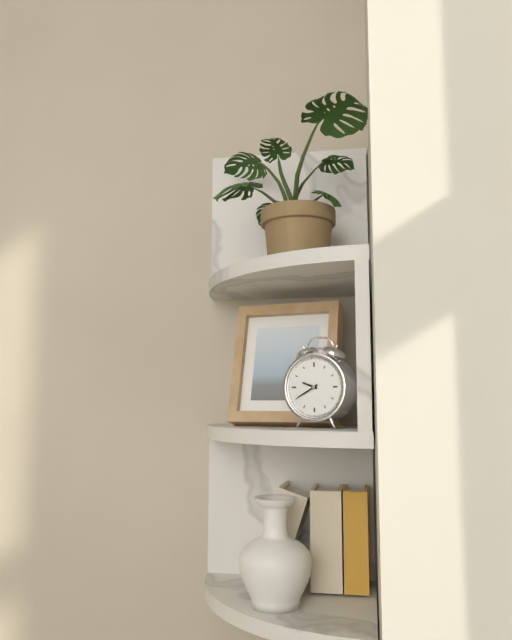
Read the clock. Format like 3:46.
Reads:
9:40
